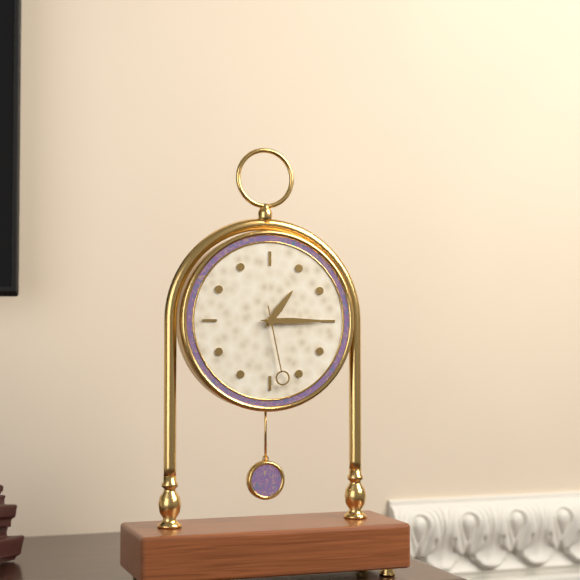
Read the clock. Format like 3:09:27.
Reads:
1:15:28
